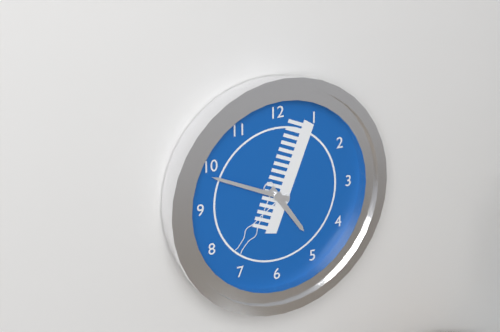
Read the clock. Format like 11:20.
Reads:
4:49
